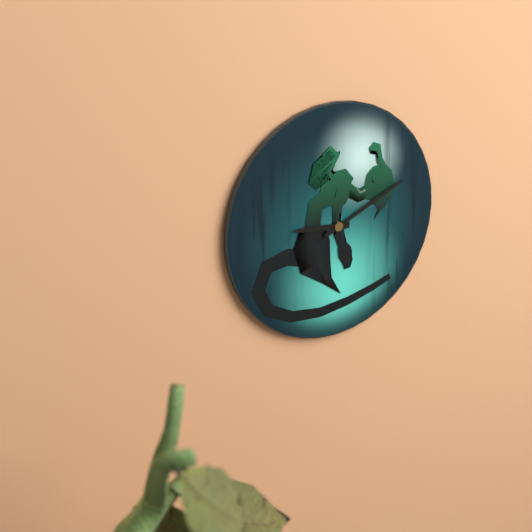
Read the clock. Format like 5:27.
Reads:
9:11
